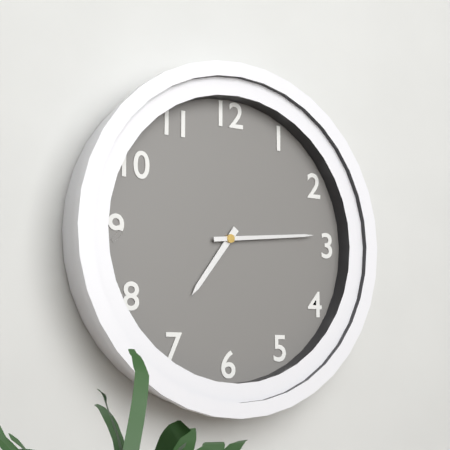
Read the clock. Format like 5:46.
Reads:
7:14
